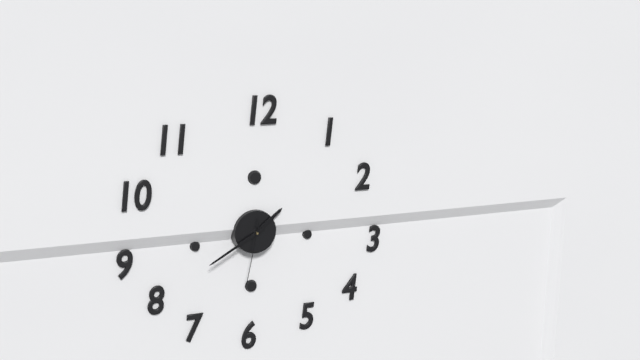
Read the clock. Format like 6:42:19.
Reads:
1:40:32
